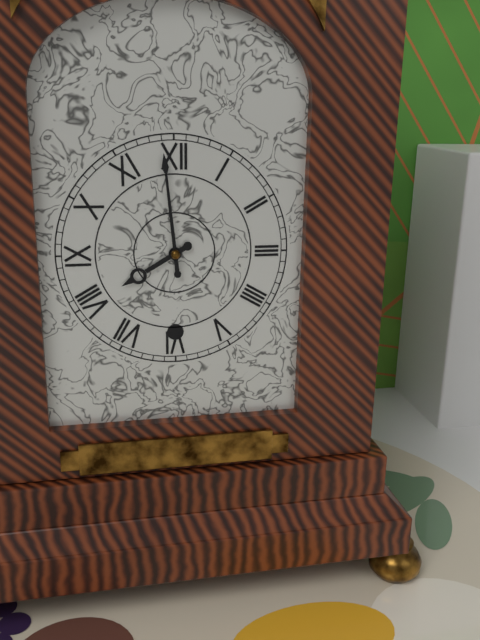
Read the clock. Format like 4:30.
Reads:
7:59
